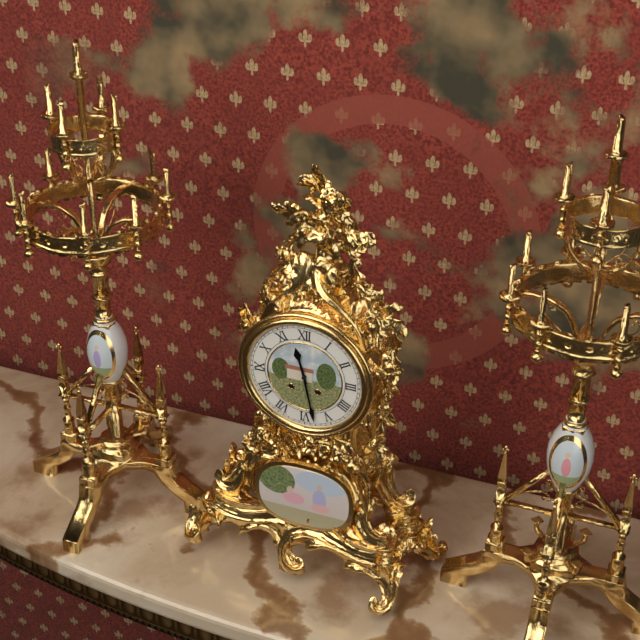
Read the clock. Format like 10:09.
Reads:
11:28
